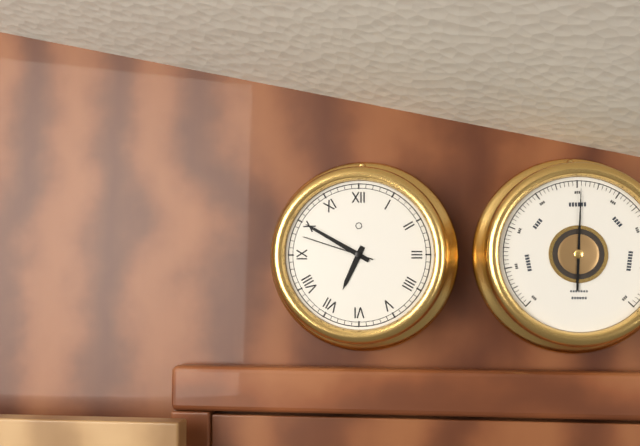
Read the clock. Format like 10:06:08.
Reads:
6:50:48
